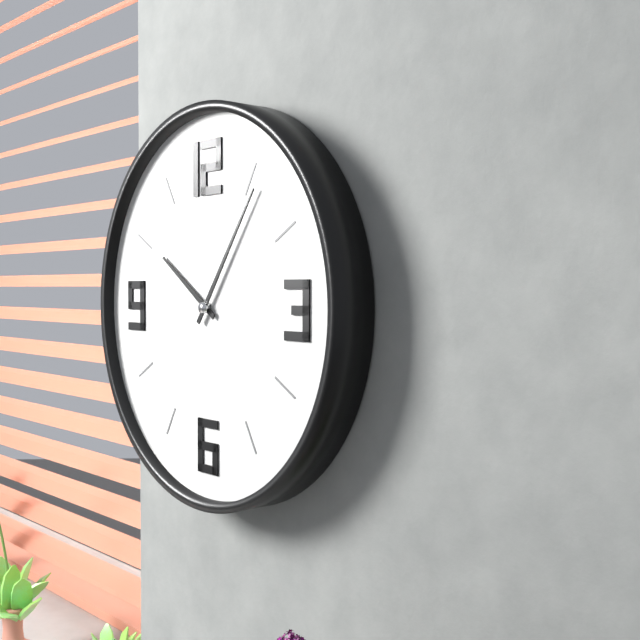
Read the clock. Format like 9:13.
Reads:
10:06
